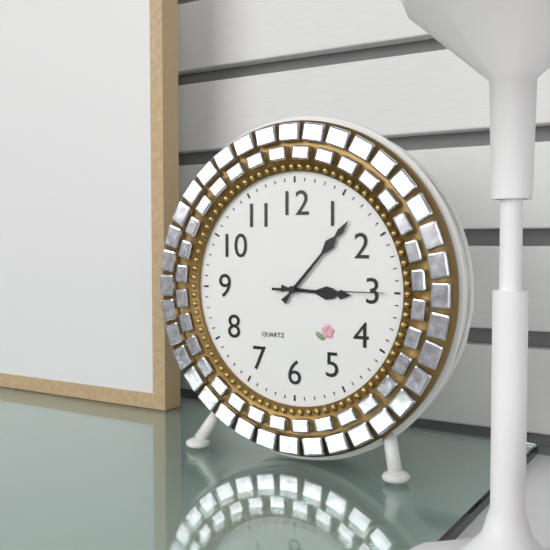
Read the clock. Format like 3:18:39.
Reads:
3:07:15
